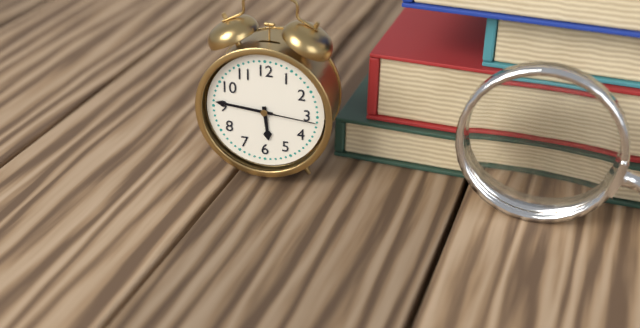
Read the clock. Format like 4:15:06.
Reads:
5:46:16
